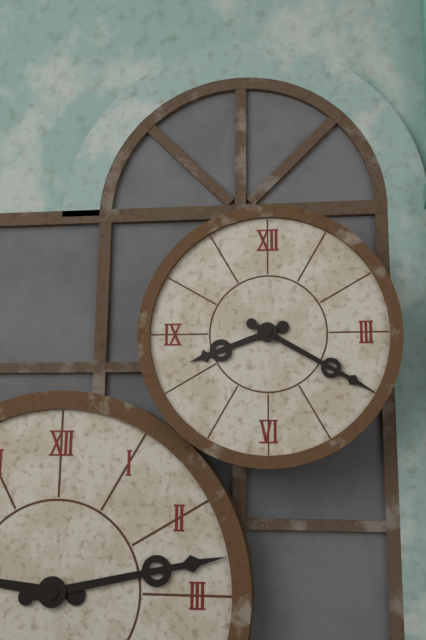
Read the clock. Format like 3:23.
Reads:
8:20
